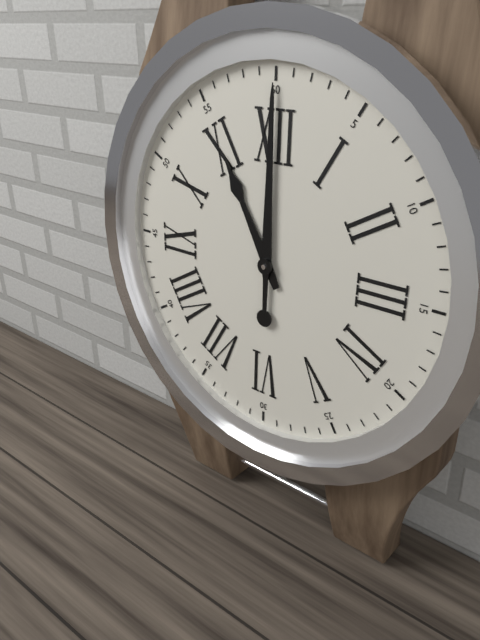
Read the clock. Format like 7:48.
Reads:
11:00
